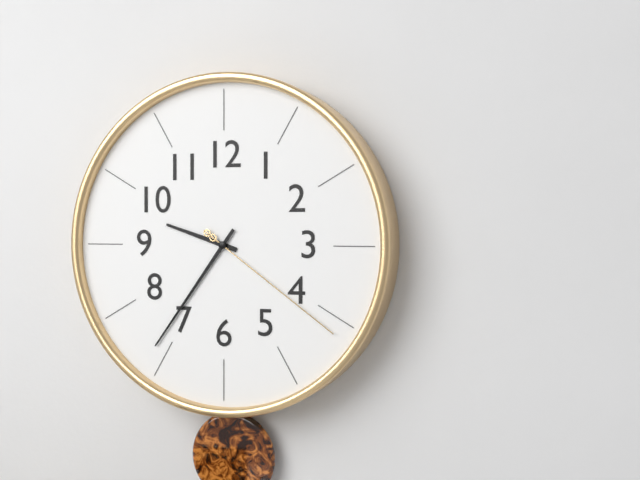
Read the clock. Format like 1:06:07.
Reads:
9:36:21
